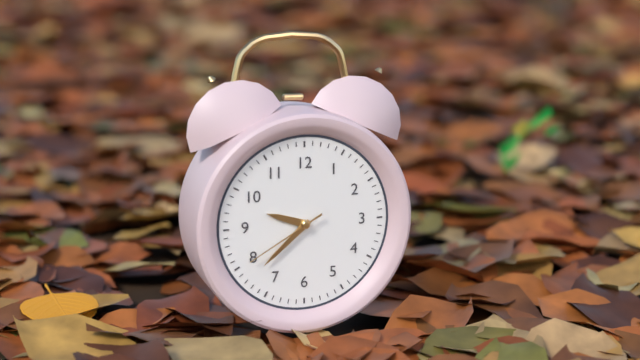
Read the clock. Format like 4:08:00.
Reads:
9:38:40
